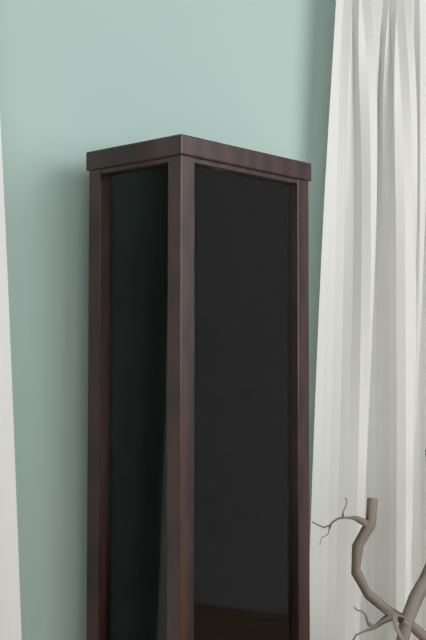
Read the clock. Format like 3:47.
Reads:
11:31
